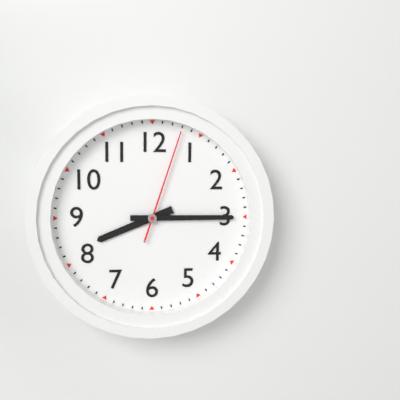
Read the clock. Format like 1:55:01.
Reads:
8:15:03
